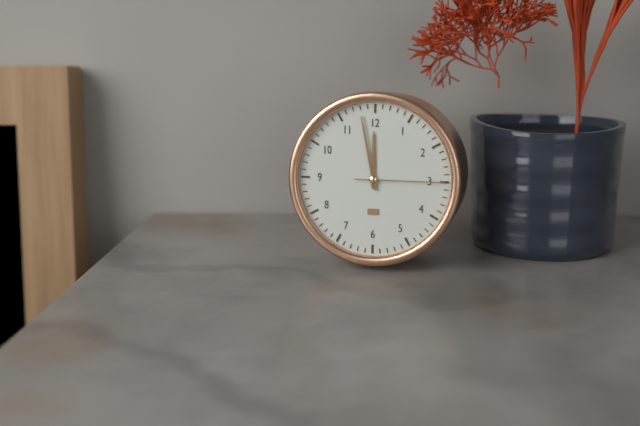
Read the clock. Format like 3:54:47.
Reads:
11:58:15
